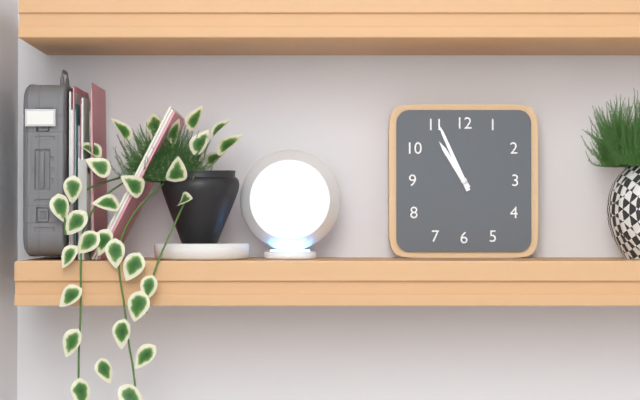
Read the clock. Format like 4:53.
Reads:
10:56
